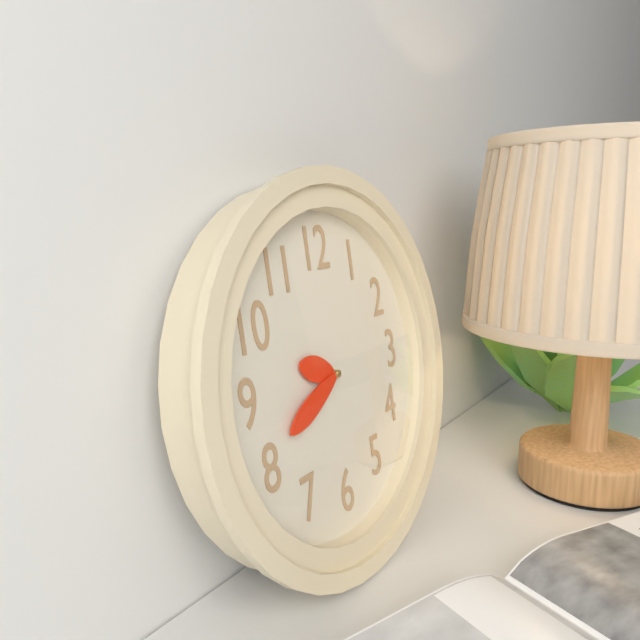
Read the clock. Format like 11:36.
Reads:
9:41
